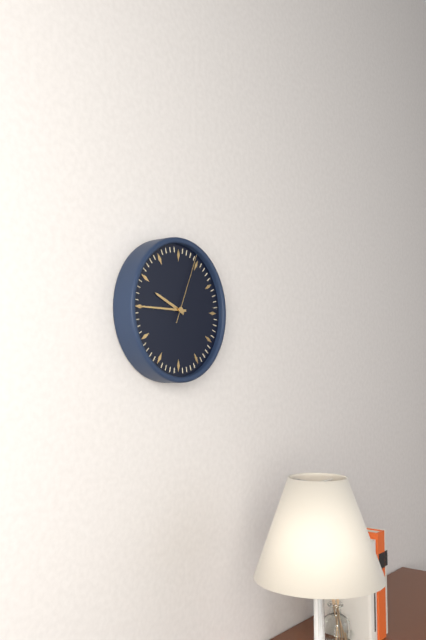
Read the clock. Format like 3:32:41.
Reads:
9:45:04
